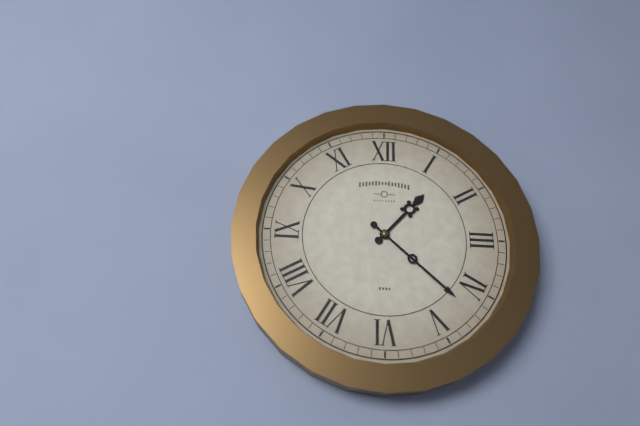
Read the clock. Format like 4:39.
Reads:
1:22
